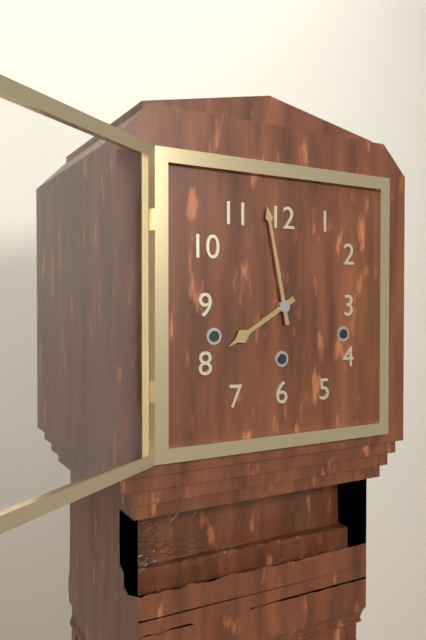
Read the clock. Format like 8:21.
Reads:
7:58
